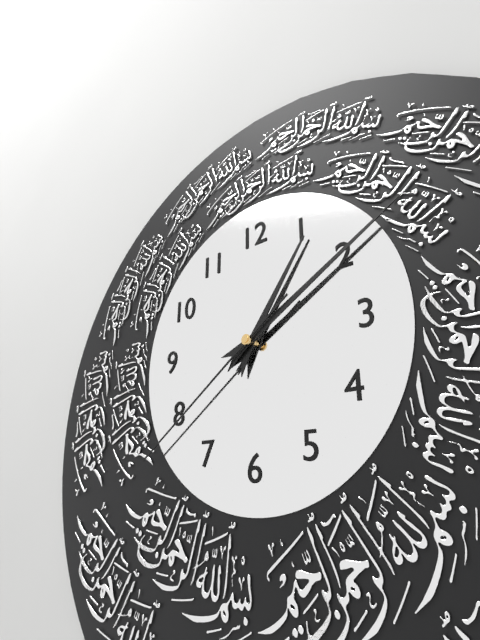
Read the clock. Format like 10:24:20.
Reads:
1:10:39
